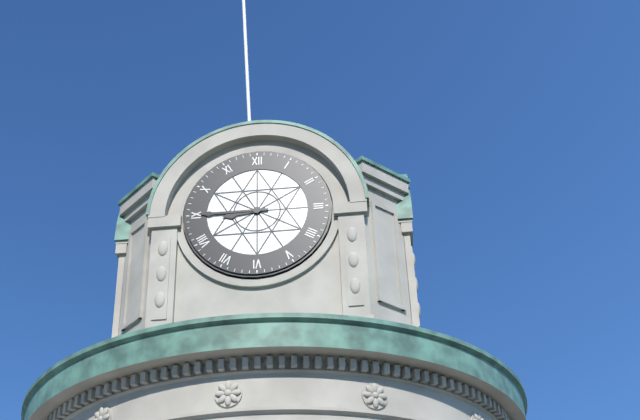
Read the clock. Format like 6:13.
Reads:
8:45
